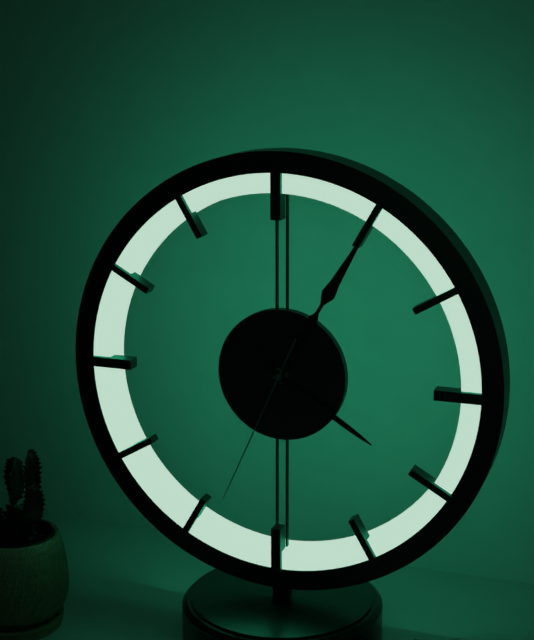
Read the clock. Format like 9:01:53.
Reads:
4:05:34
